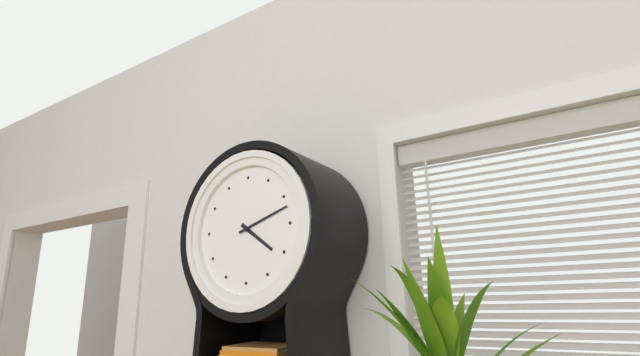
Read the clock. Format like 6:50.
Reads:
4:12
